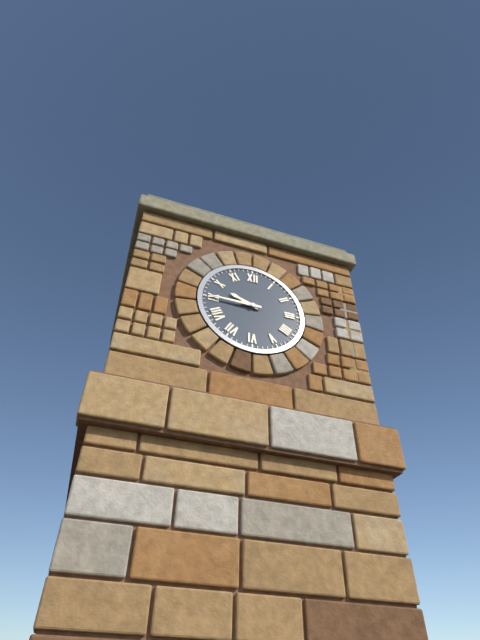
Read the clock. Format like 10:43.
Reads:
9:45
